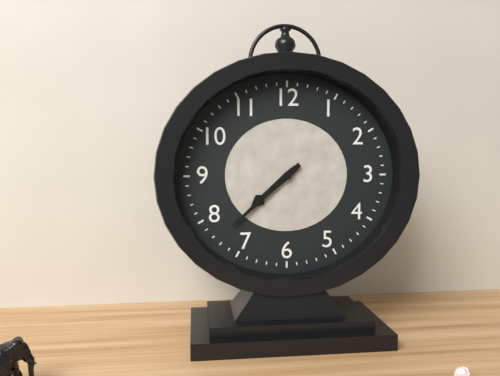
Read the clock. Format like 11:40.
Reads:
7:38
